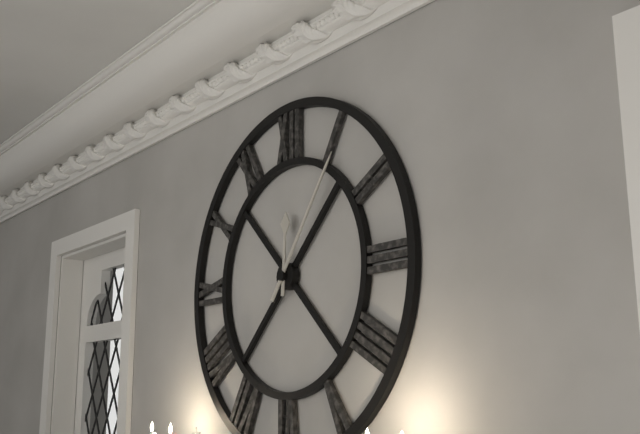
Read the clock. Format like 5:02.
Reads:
12:06
